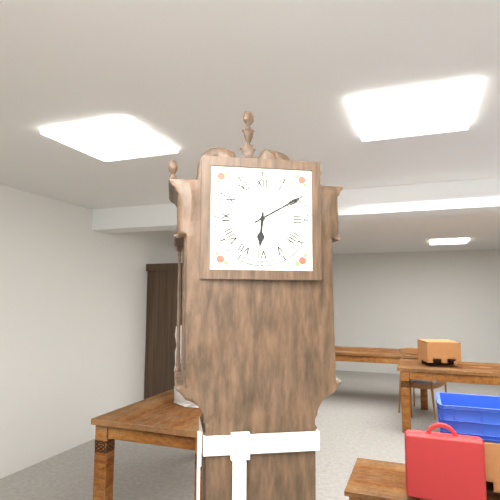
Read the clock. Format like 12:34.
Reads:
6:10
